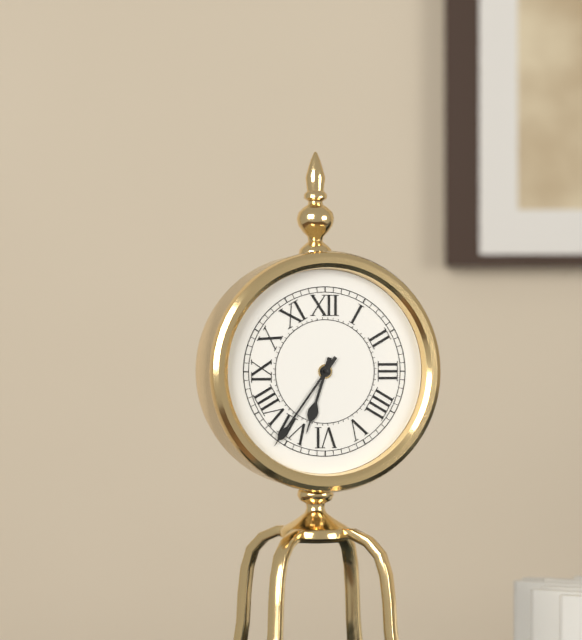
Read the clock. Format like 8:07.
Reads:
6:36
